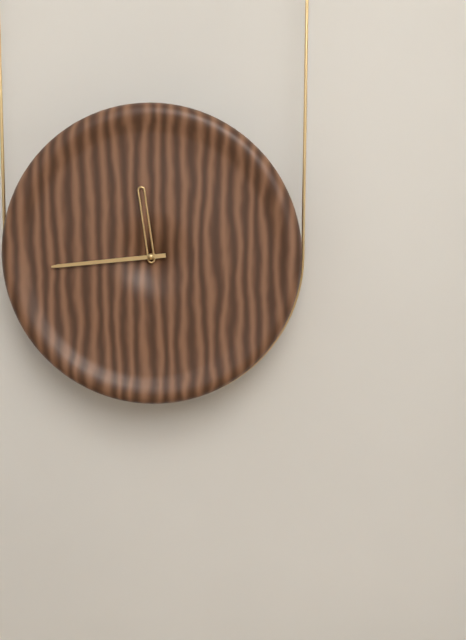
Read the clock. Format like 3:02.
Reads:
11:44
